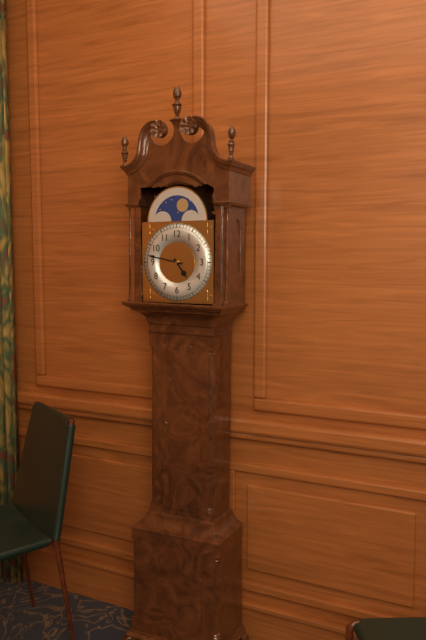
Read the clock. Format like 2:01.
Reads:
4:47
